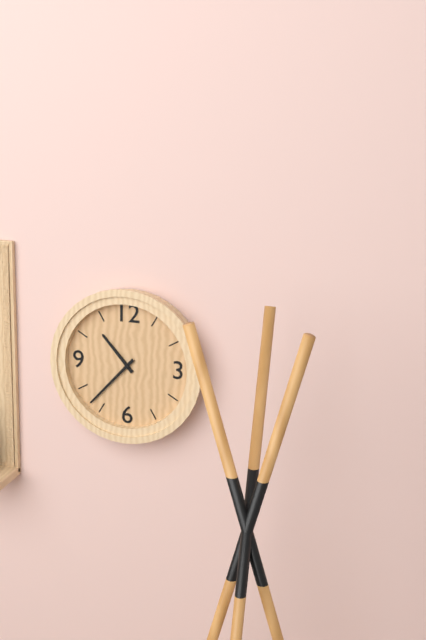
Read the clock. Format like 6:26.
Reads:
10:37
